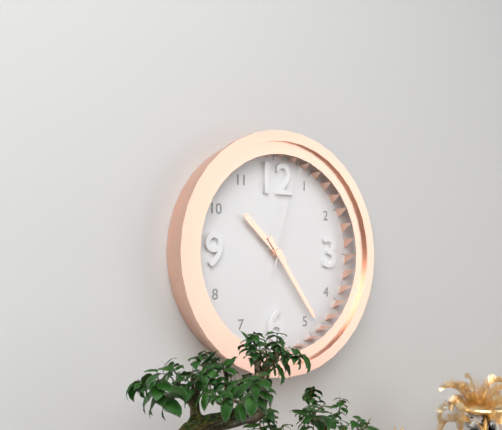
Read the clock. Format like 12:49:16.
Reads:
10:24:03
